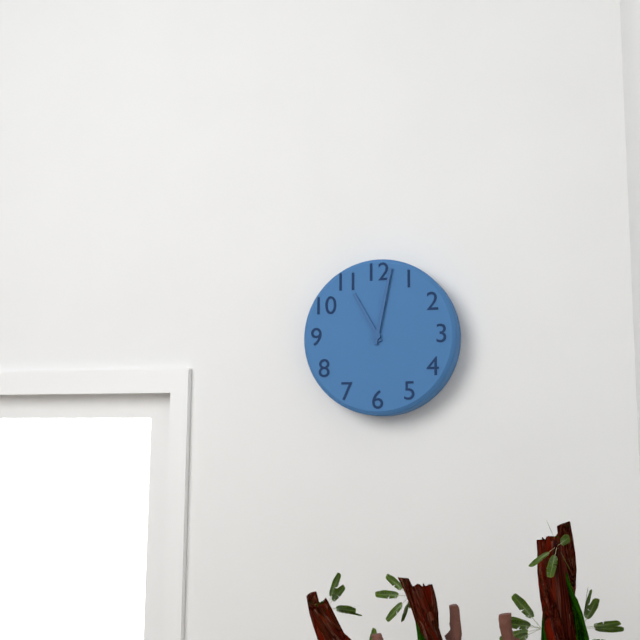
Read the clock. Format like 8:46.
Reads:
11:02
